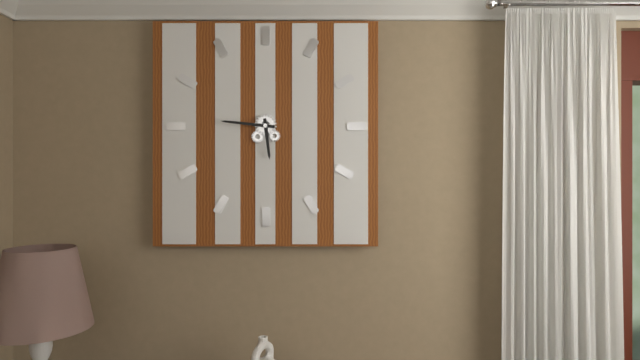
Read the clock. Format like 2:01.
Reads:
5:46
